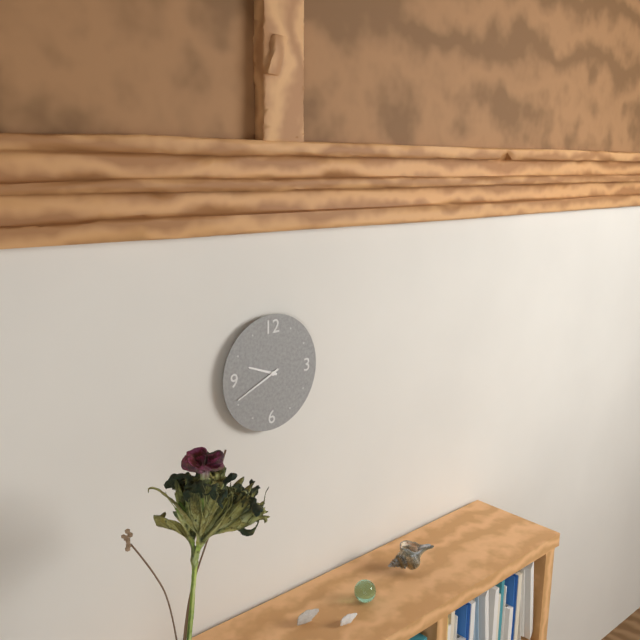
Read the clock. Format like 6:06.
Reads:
9:41
